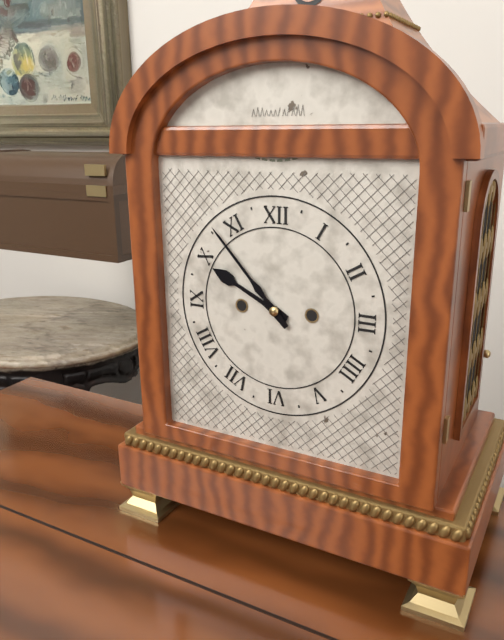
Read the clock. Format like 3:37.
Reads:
9:53
